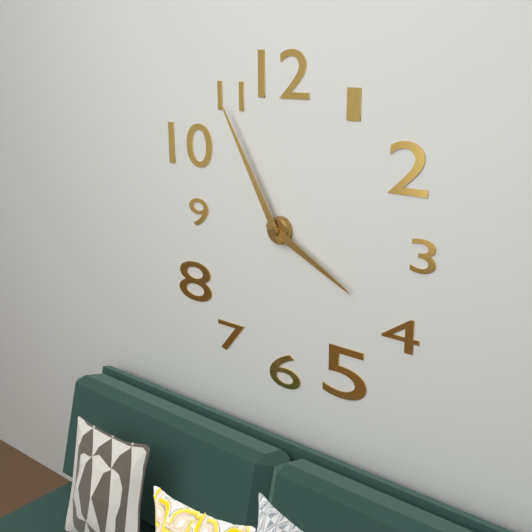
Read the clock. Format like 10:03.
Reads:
3:55
